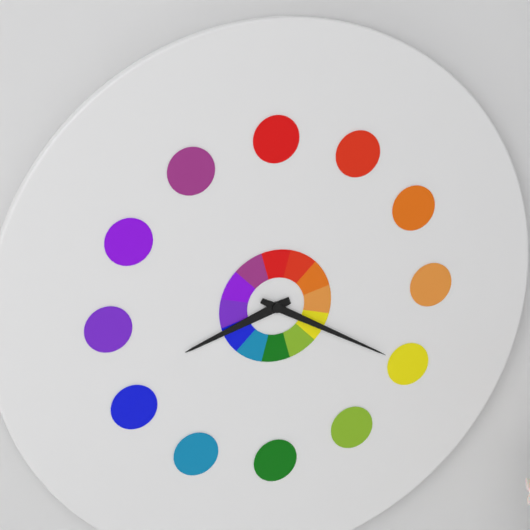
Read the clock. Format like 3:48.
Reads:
8:20
